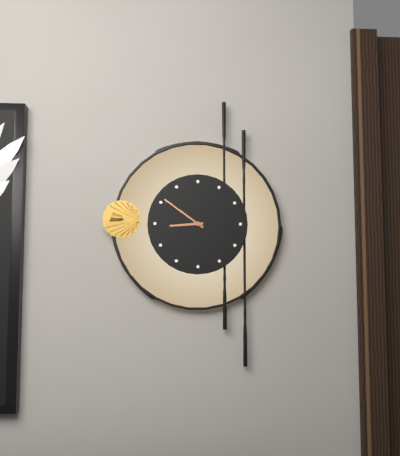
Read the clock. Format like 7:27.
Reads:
8:51
